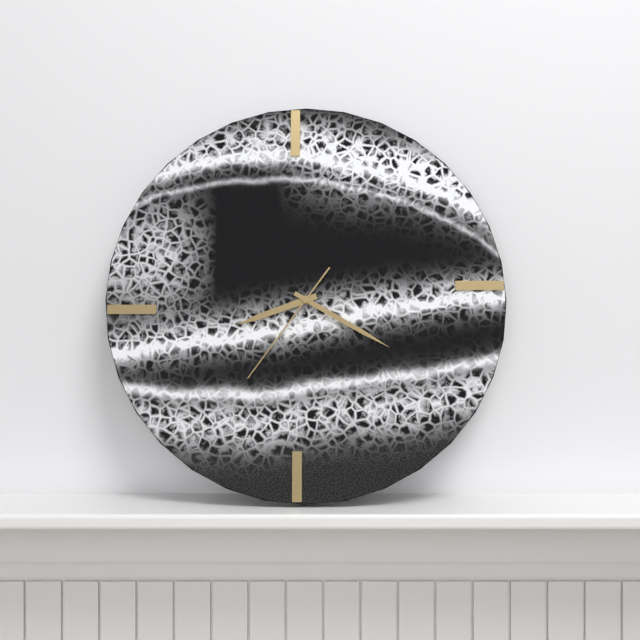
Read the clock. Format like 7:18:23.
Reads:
8:20:36
